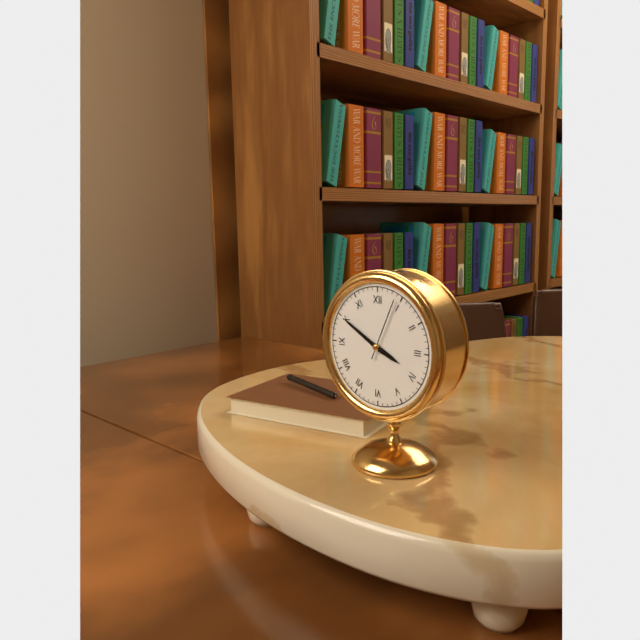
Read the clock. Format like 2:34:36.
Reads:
3:50:04
